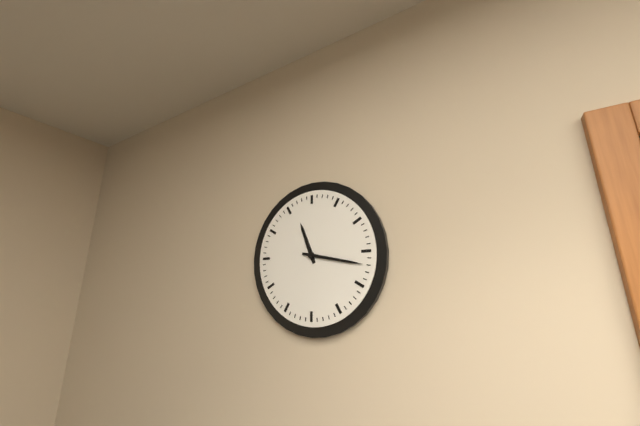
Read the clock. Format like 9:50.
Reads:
11:17
